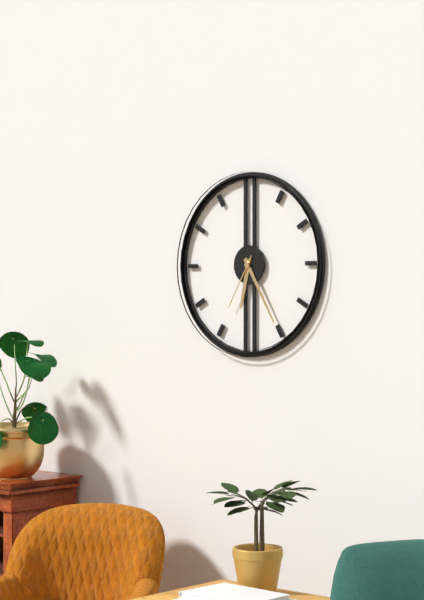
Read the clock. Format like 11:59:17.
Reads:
6:25:35
